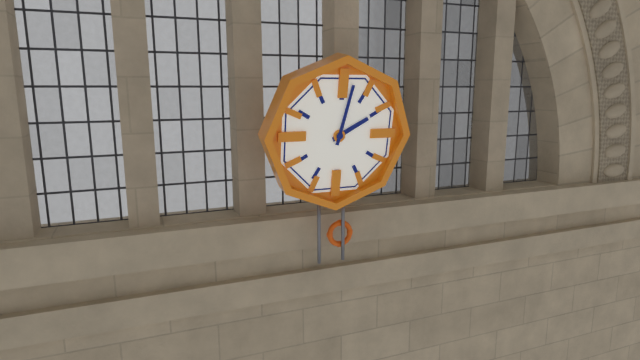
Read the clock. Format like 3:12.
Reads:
2:02
